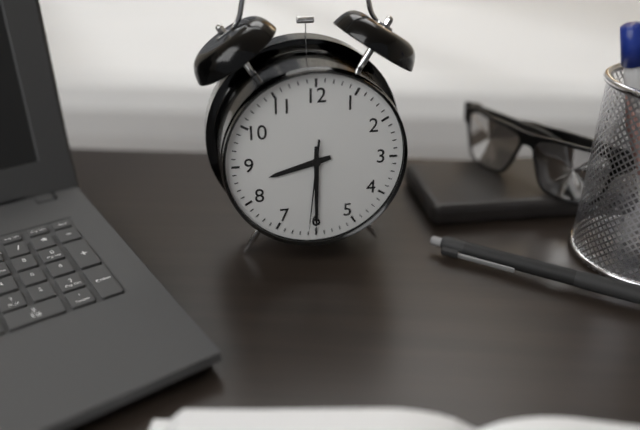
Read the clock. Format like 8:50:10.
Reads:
8:30:31
